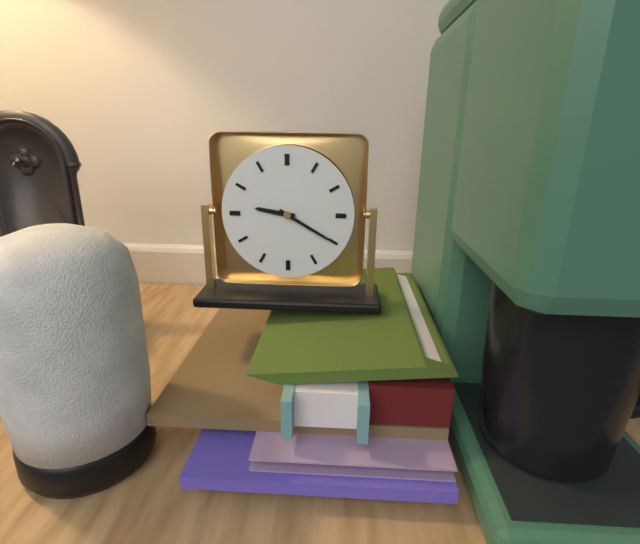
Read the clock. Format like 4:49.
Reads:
9:20
